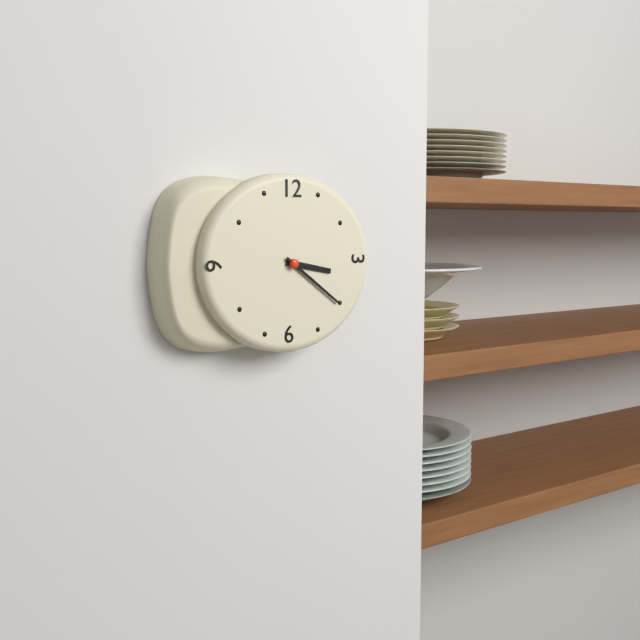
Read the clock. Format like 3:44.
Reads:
3:21
